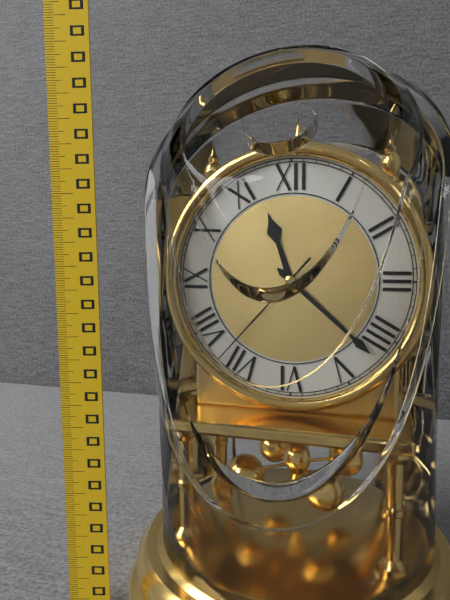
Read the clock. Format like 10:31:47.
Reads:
11:22:37
